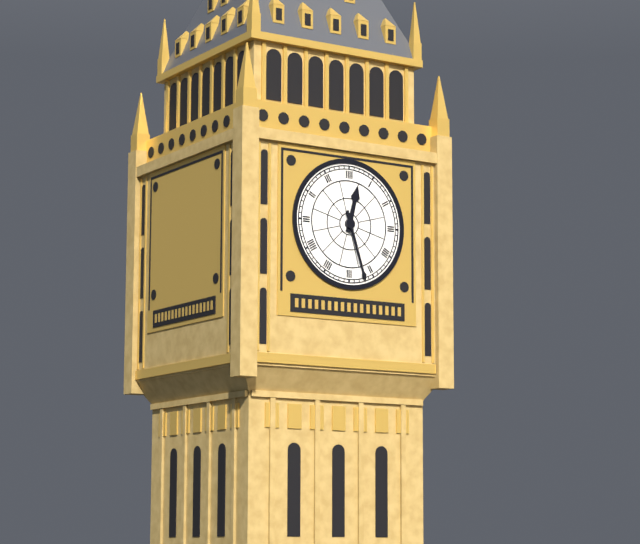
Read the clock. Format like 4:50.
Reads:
12:27
